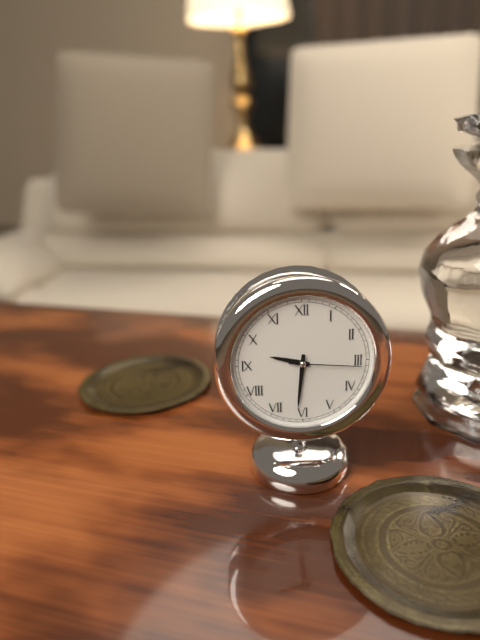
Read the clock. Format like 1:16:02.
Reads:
9:31:16
